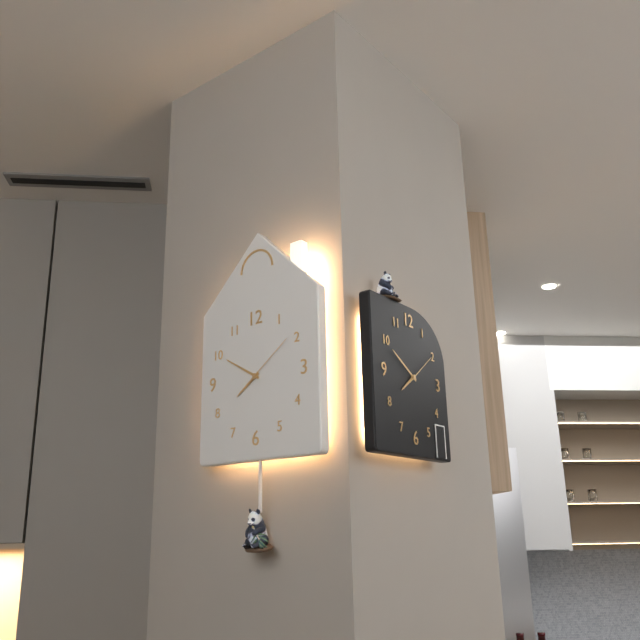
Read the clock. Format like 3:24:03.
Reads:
7:50:09
